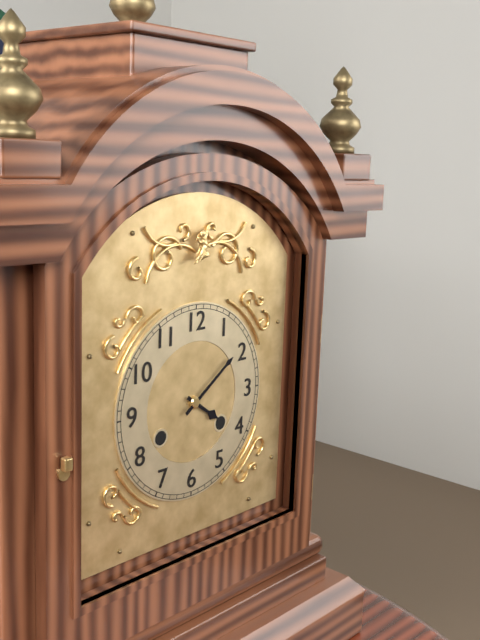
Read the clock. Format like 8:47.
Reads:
4:09
